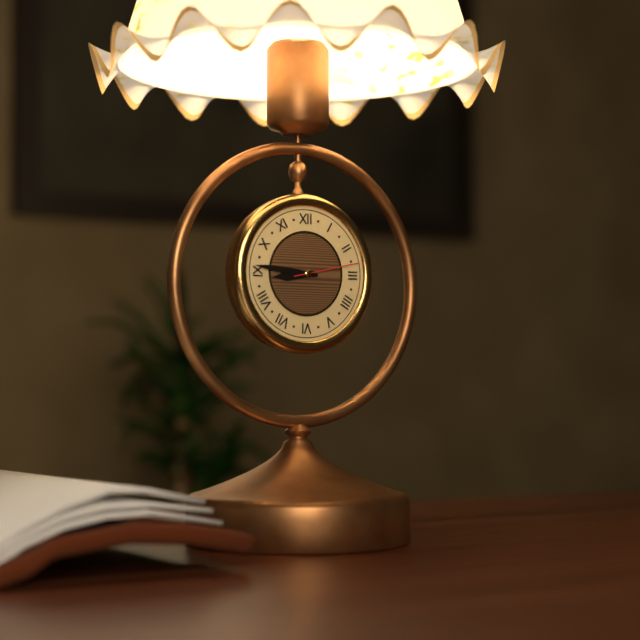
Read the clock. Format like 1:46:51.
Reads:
8:46:13
